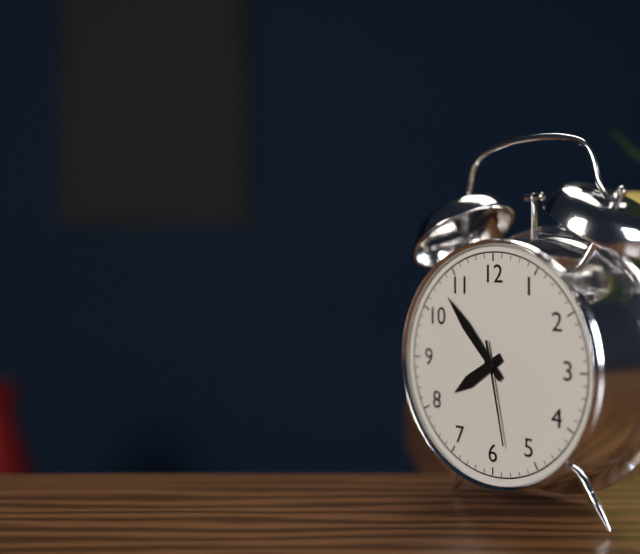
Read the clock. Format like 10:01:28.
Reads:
7:53:28
